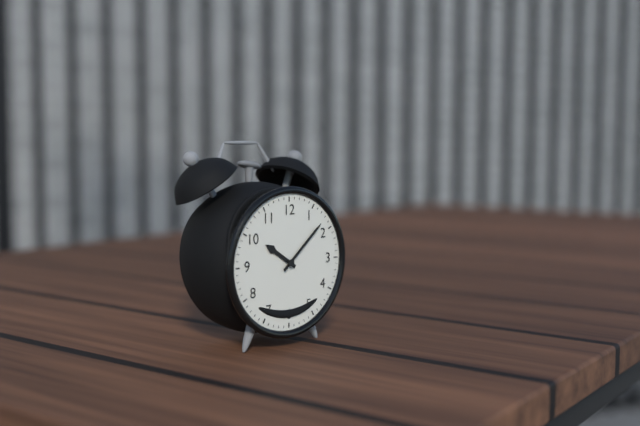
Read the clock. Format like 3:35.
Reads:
10:08
